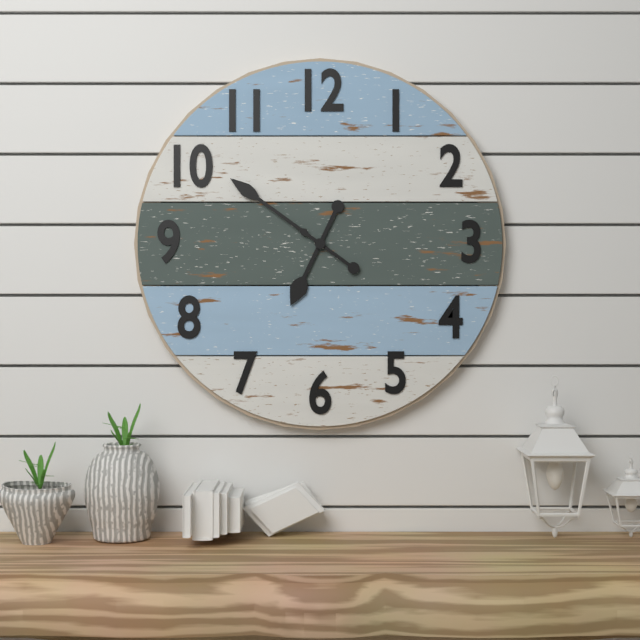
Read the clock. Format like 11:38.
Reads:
6:51
